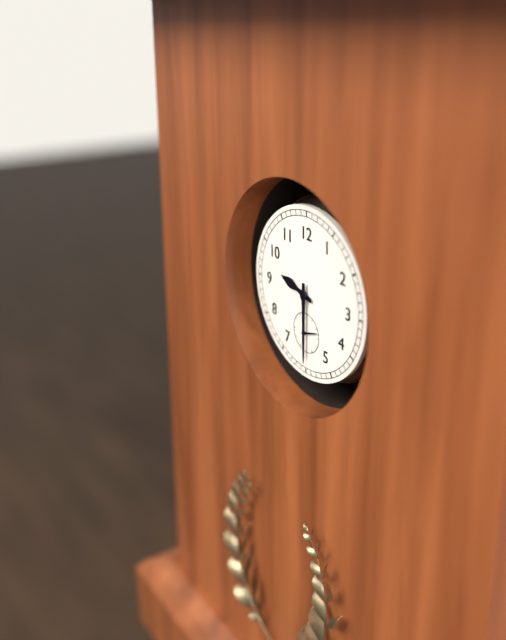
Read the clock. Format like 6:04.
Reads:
9:30
